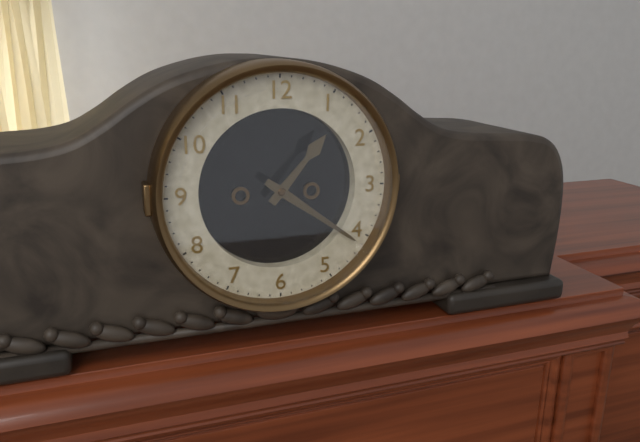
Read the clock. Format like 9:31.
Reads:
1:21
